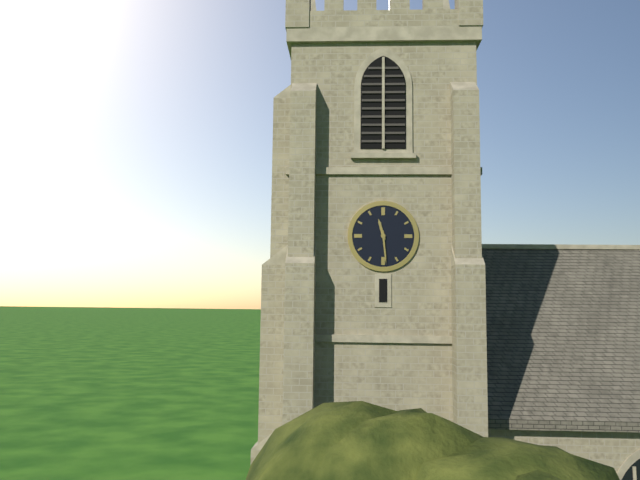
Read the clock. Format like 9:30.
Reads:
11:29
